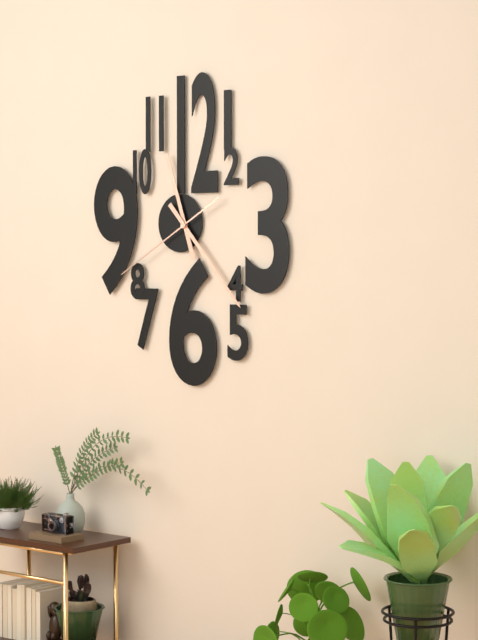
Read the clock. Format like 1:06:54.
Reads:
11:23:40
